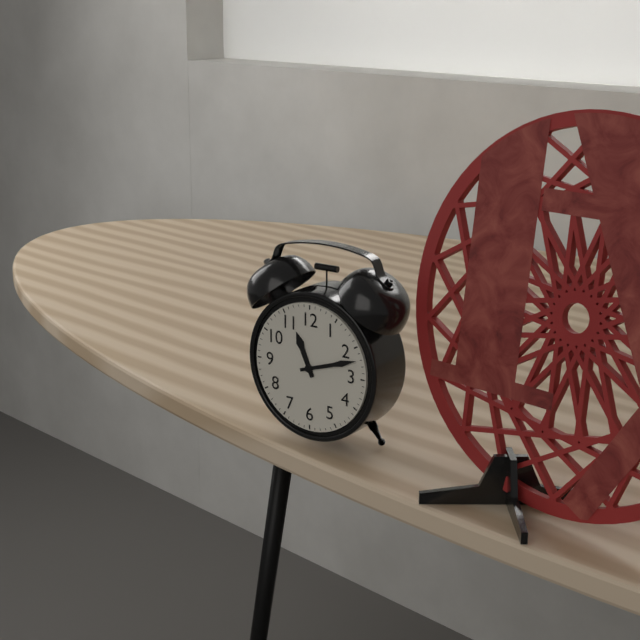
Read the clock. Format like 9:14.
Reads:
11:12
